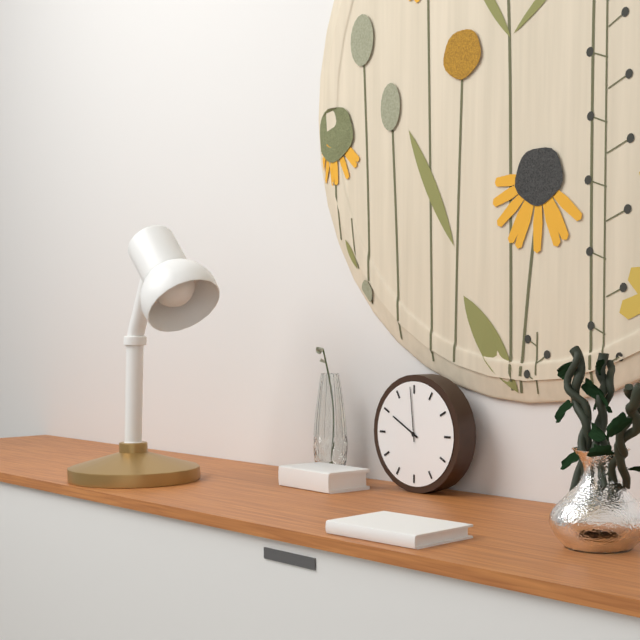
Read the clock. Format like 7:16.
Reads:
9:59
